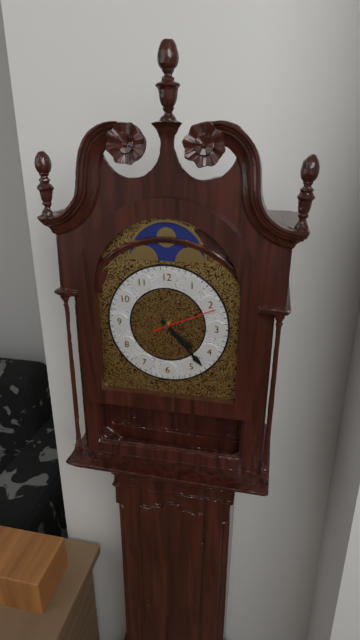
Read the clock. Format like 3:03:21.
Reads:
4:23:11
